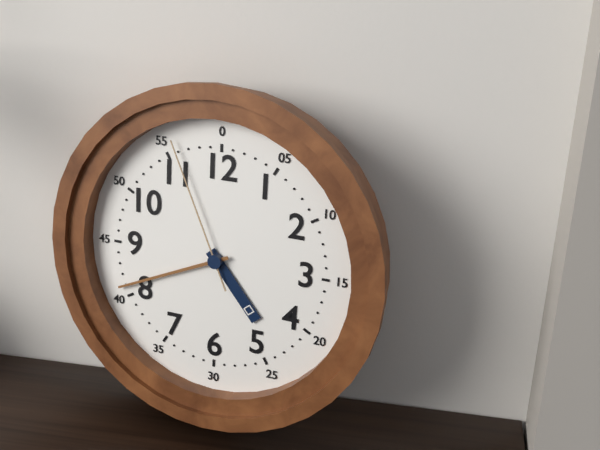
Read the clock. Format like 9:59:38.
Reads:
4:41:56
